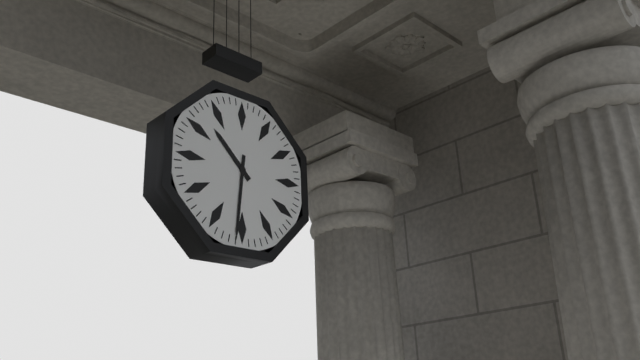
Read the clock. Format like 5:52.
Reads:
10:31
